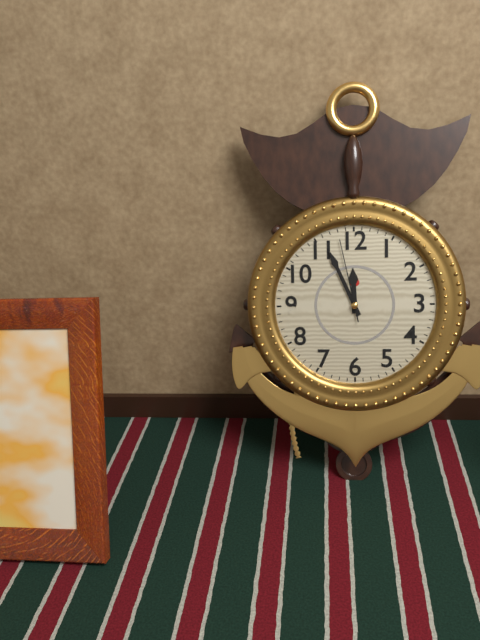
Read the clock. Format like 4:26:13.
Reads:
11:56:58
